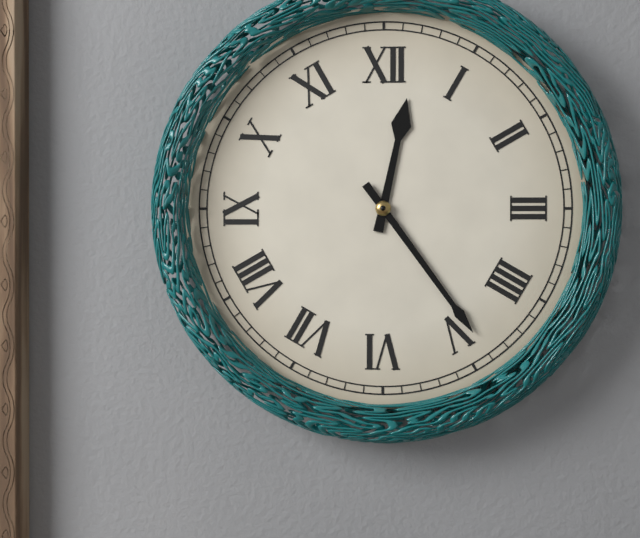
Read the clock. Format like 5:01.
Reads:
12:24
